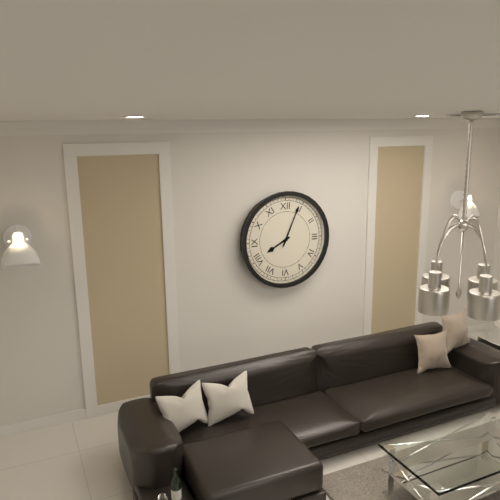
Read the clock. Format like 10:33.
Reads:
8:04
